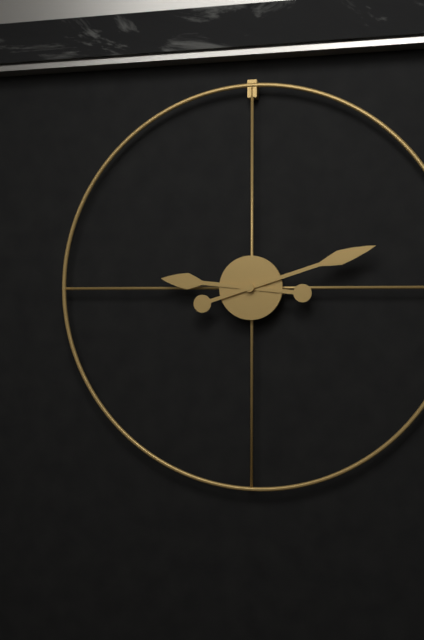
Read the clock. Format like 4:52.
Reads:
9:12
